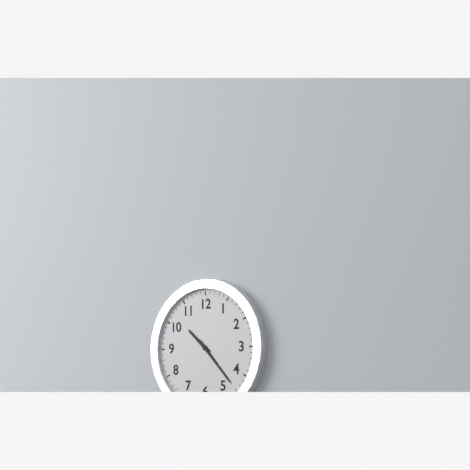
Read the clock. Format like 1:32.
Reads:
10:23
